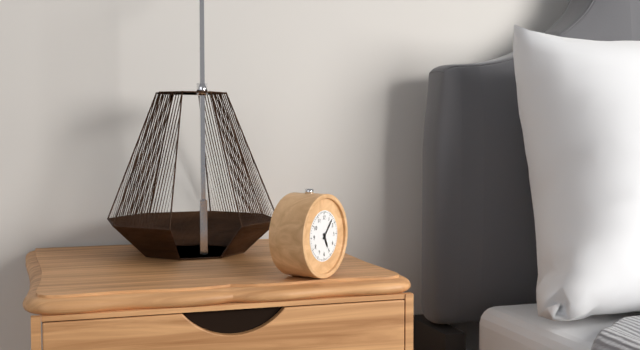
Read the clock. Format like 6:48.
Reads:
5:07
